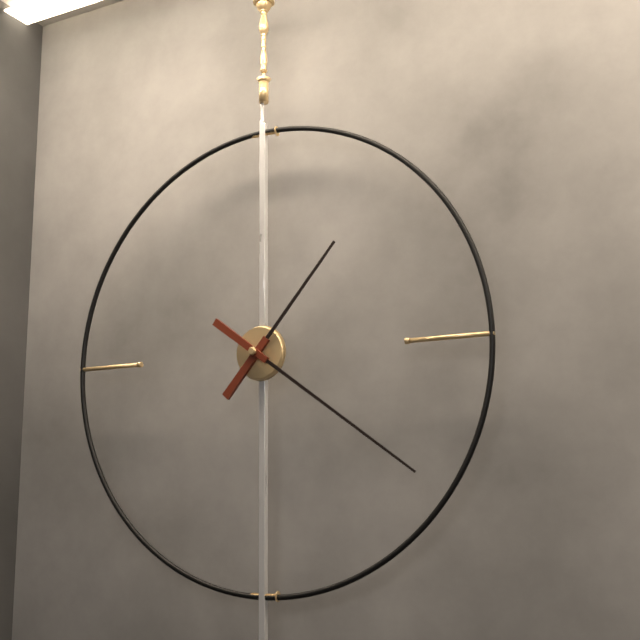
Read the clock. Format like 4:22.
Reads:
1:21
